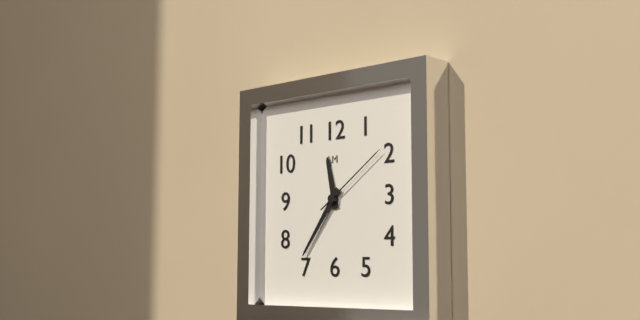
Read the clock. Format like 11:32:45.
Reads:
11:36:09
